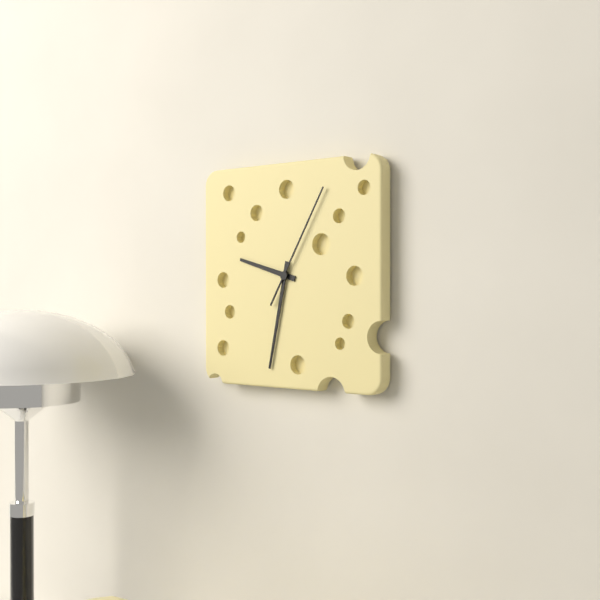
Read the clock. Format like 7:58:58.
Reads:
9:32:05
